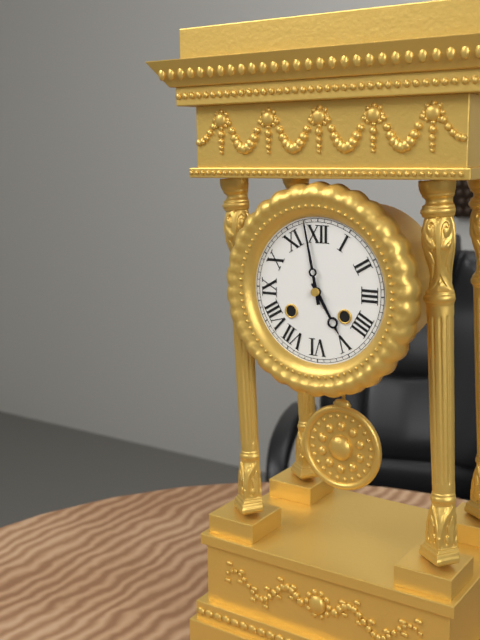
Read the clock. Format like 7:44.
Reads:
4:58
